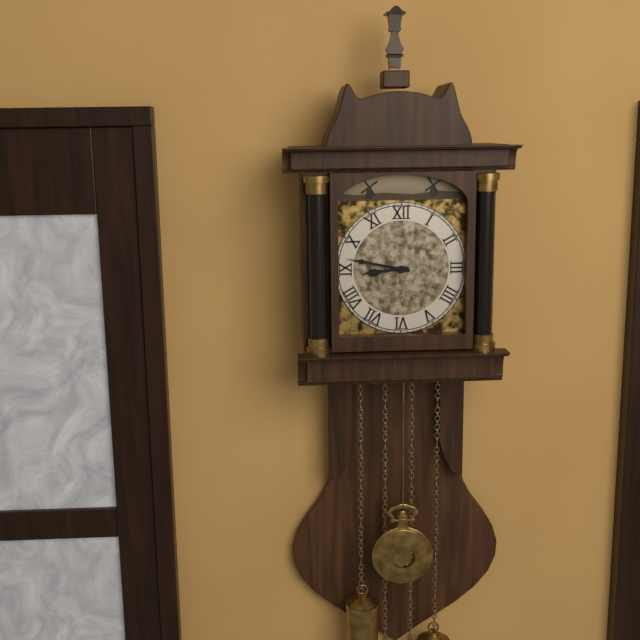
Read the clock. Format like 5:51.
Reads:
8:47
